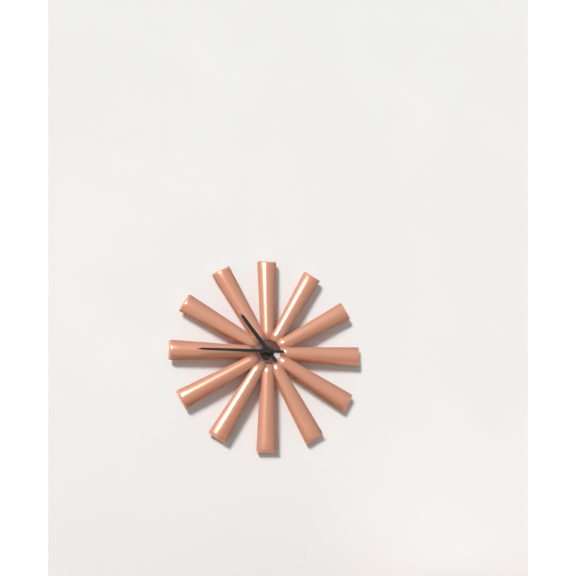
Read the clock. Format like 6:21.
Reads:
10:45
